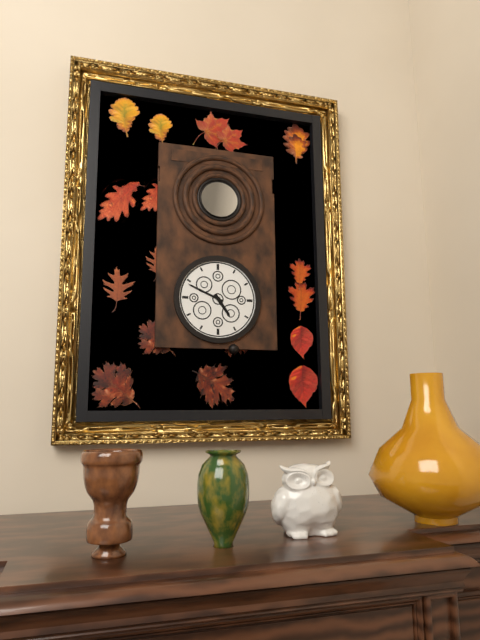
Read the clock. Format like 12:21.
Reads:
4:49
